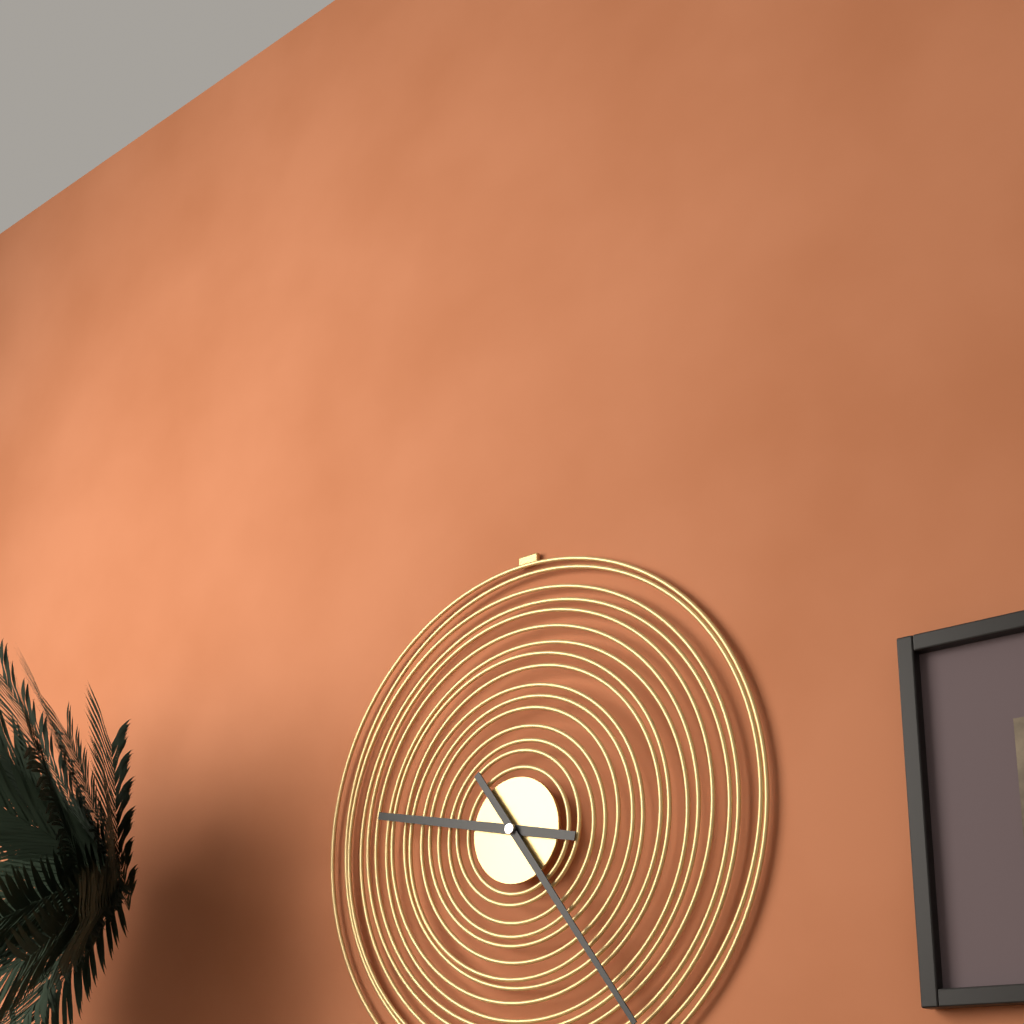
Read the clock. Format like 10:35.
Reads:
9:24
